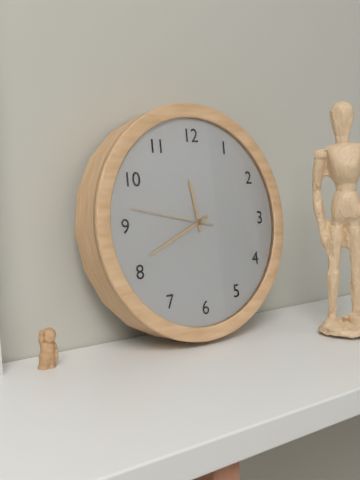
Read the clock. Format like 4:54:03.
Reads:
11:41:47
